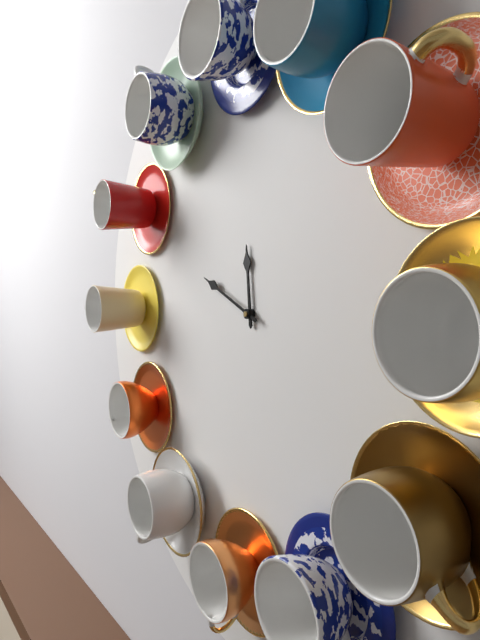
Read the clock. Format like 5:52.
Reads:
11:49
